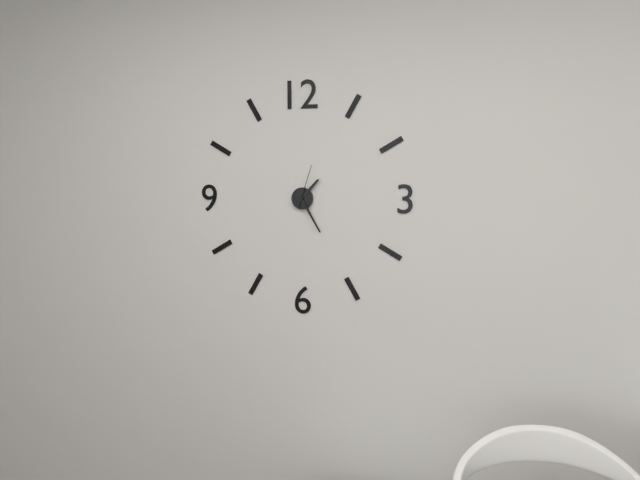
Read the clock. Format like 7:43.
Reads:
1:25
